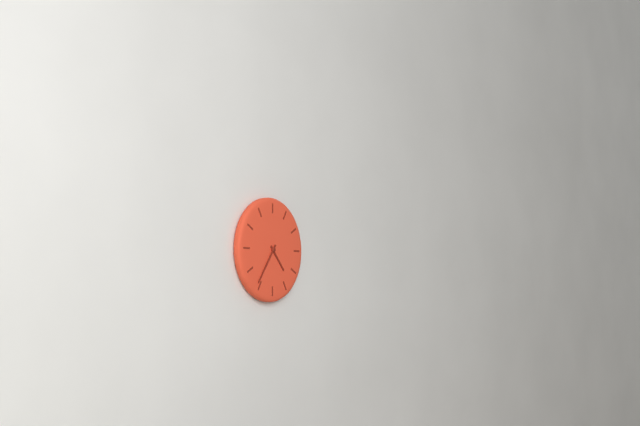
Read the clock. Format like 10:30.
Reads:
4:36
